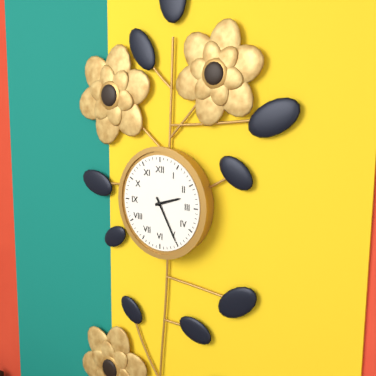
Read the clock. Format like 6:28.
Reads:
2:25
